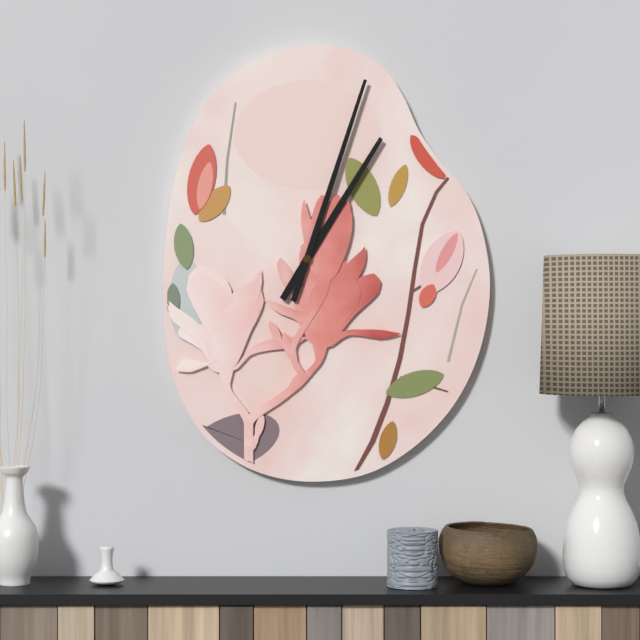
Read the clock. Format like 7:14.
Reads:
1:03
